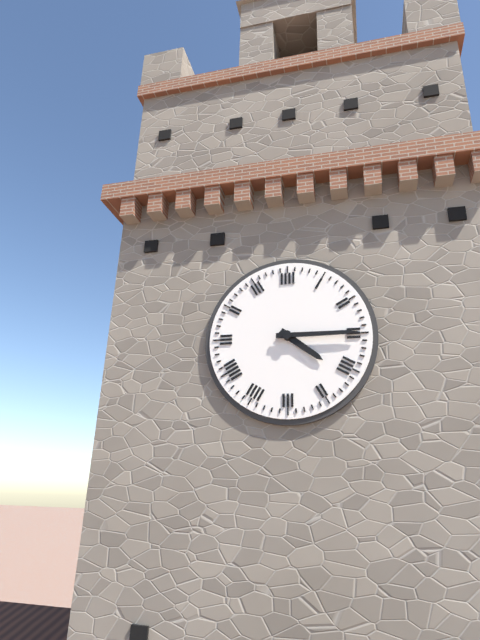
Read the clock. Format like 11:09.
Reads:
4:15
